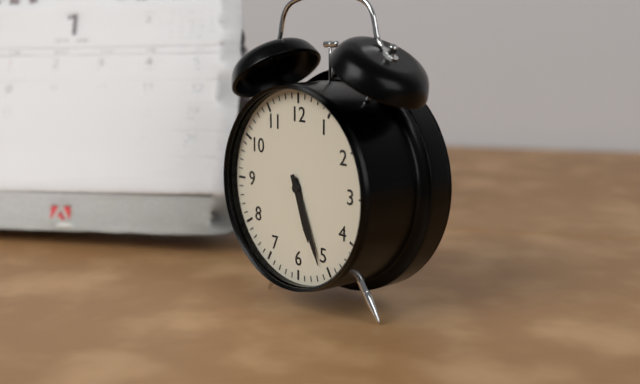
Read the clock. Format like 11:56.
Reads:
5:26
